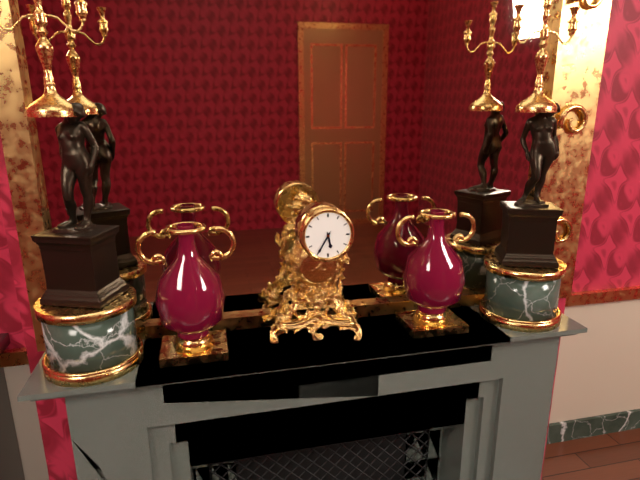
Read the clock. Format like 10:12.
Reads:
5:35
